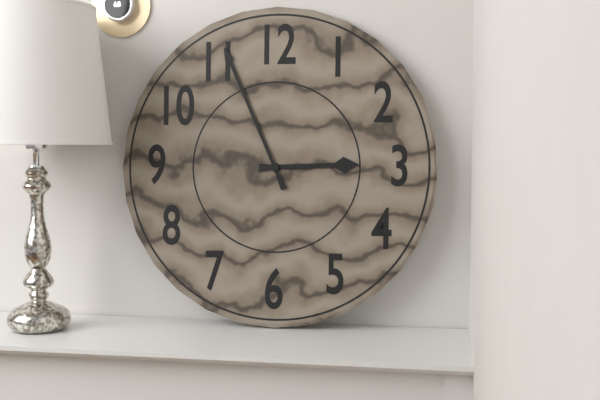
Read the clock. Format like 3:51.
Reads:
2:56
